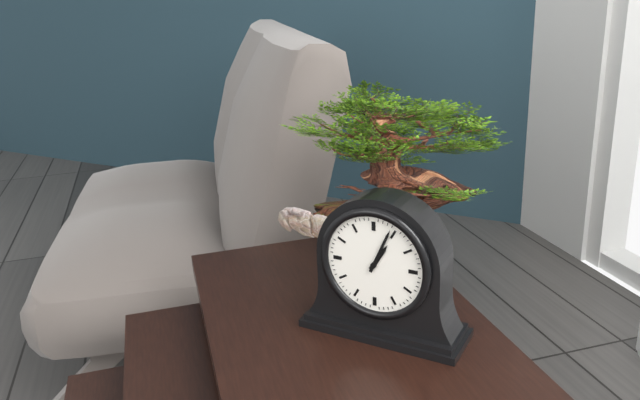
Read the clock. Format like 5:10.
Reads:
1:04
